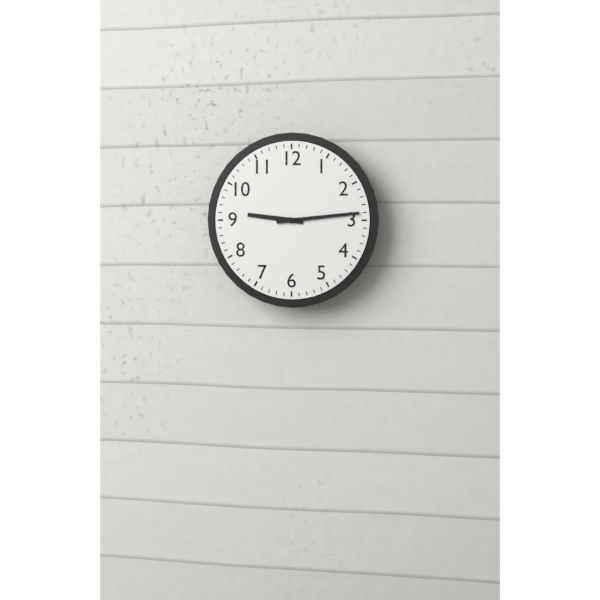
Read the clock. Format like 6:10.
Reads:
9:14
